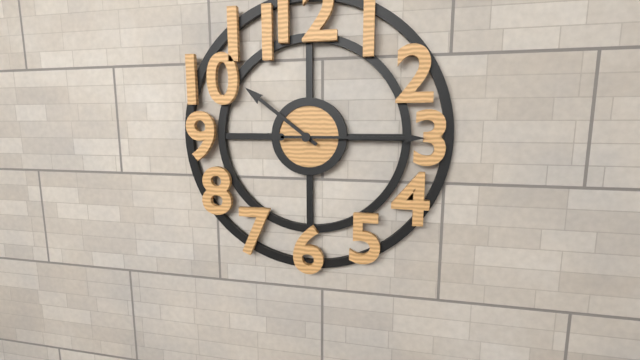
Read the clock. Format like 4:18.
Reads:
10:15
